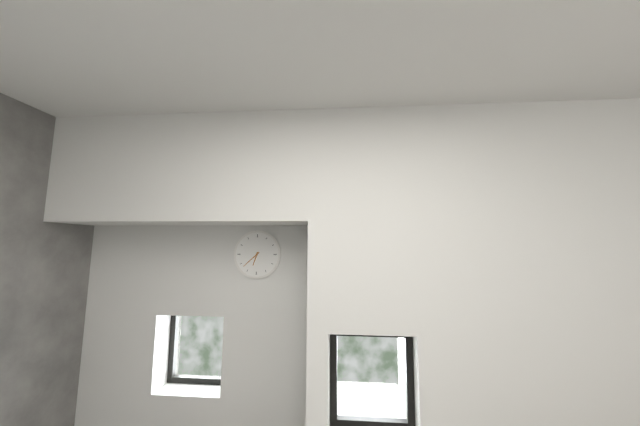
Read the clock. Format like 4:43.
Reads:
6:38
